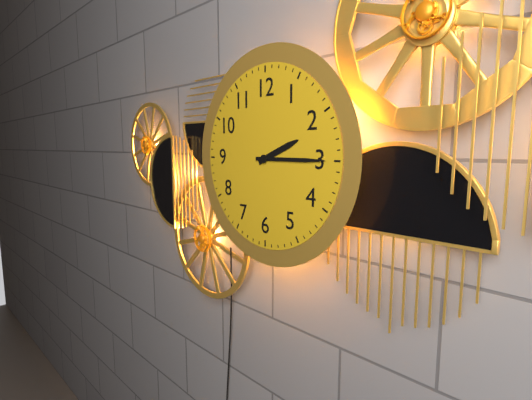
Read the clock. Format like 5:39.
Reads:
2:15
